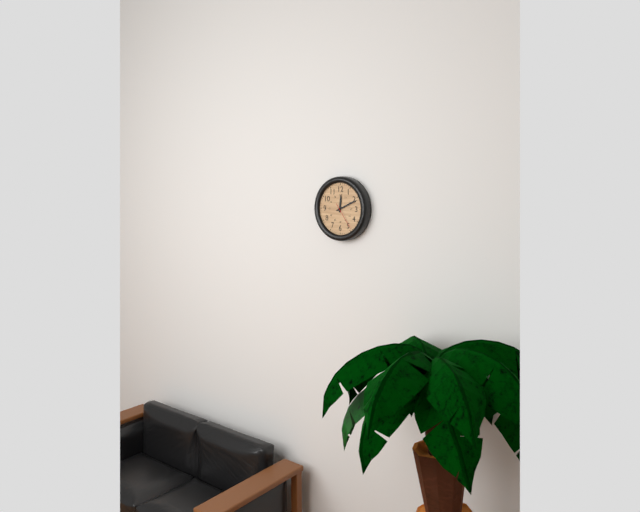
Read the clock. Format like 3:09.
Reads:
12:11
